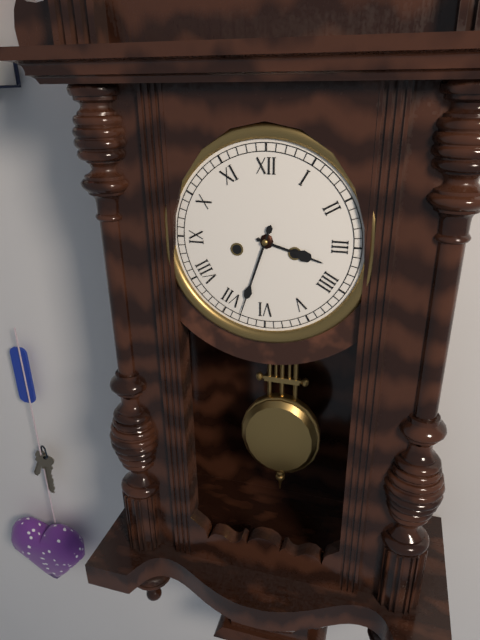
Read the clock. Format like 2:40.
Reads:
3:33
